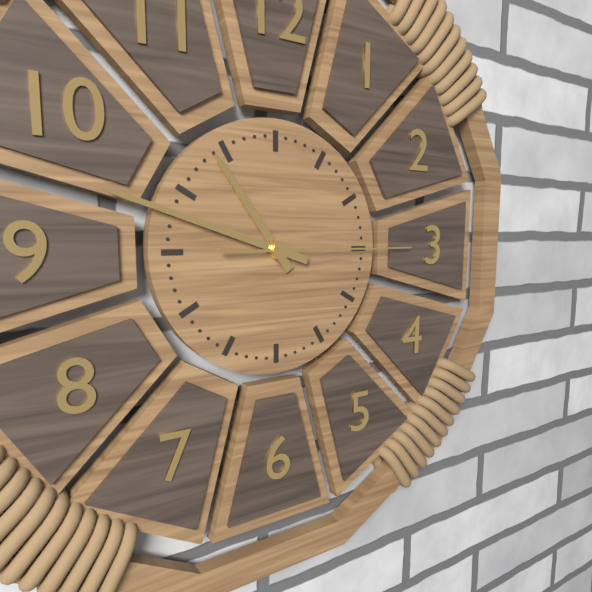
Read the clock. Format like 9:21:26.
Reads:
10:48:15
